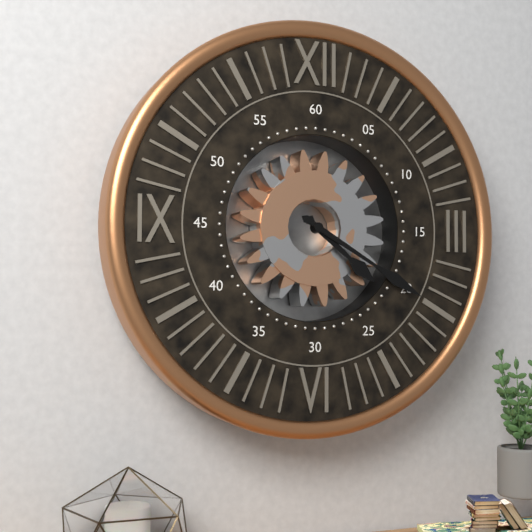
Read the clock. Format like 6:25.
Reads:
4:20
